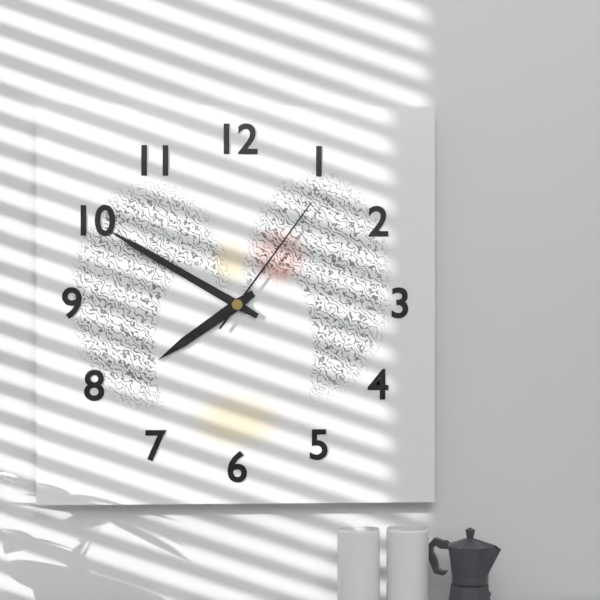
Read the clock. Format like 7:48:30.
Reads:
7:50:06
